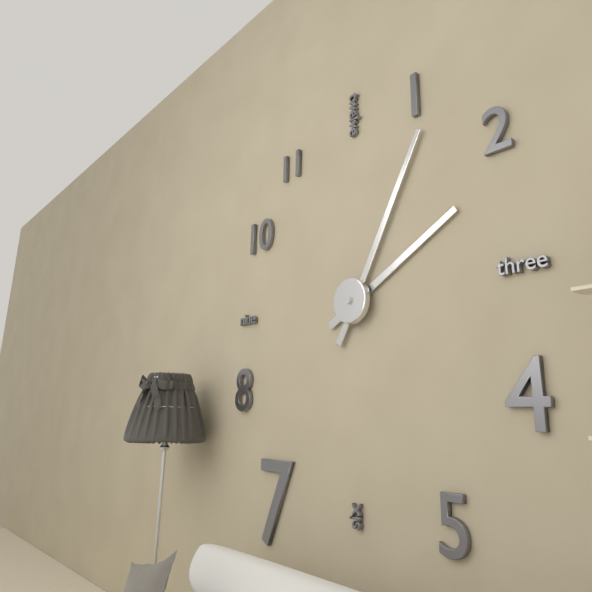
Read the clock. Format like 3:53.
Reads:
2:05
